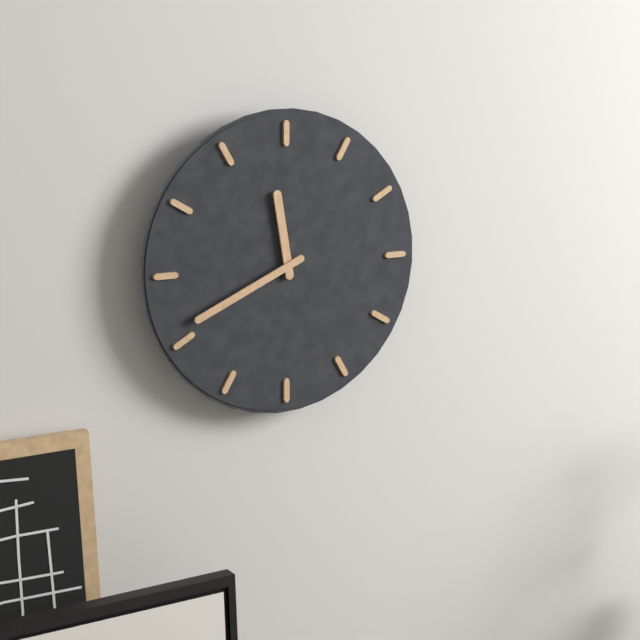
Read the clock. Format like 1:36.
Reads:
11:41
